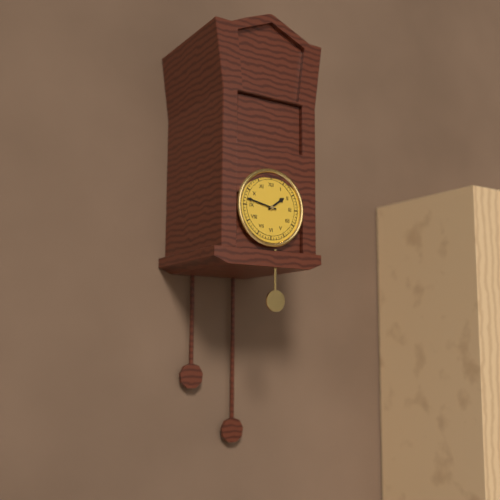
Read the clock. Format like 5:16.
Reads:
1:47
